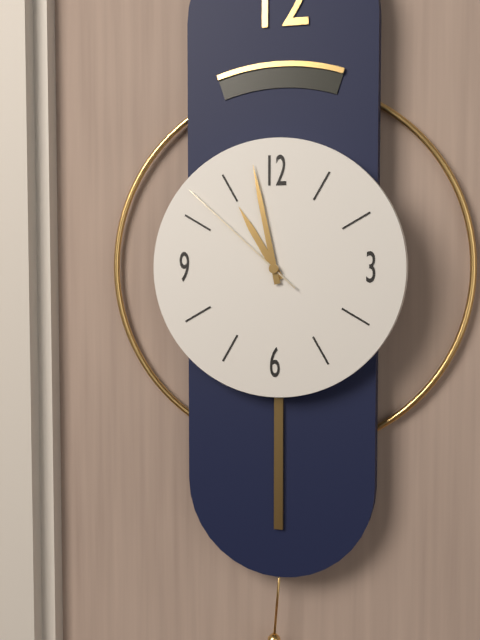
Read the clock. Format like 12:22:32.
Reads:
10:58:52
